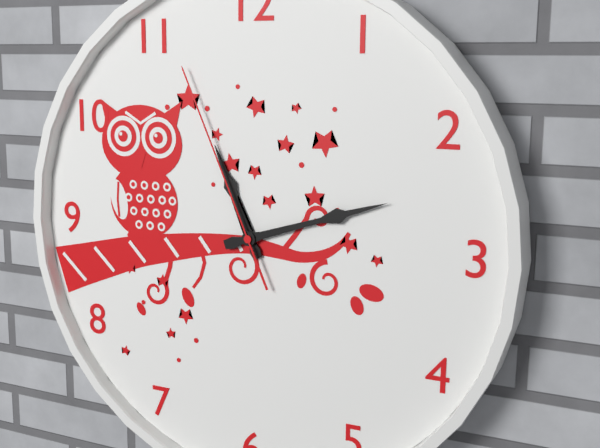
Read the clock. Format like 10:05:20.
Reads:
11:12:56
